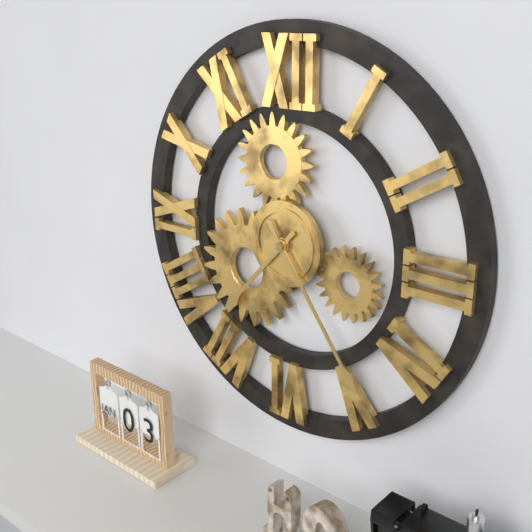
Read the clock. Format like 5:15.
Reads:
7:24
